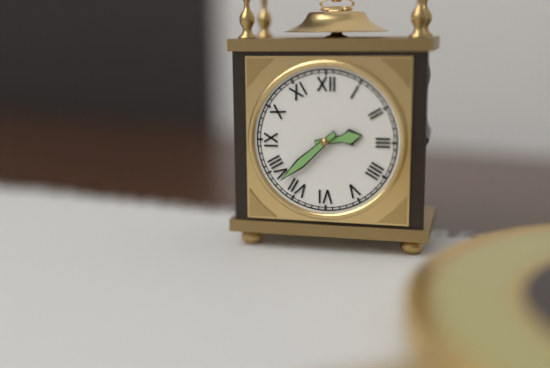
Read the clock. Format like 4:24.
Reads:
2:38
